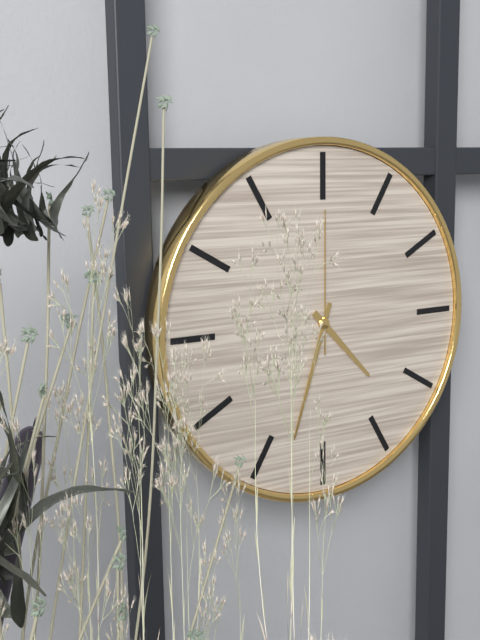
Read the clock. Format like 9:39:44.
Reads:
4:33:00
